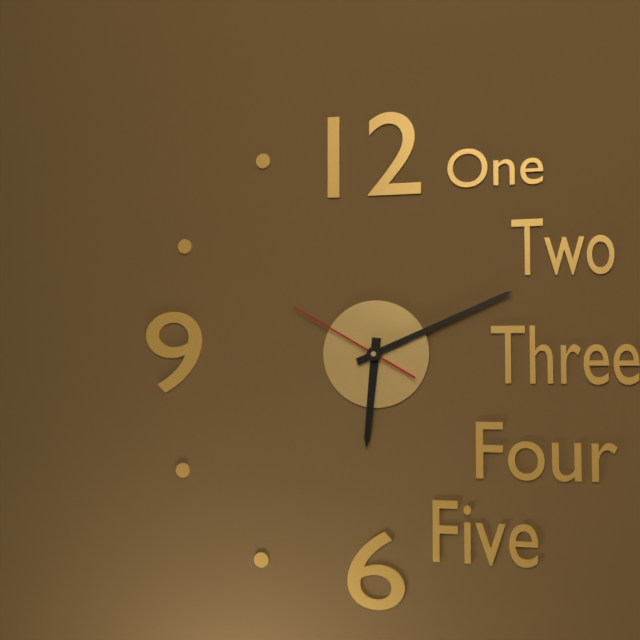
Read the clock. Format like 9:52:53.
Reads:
6:11:50
